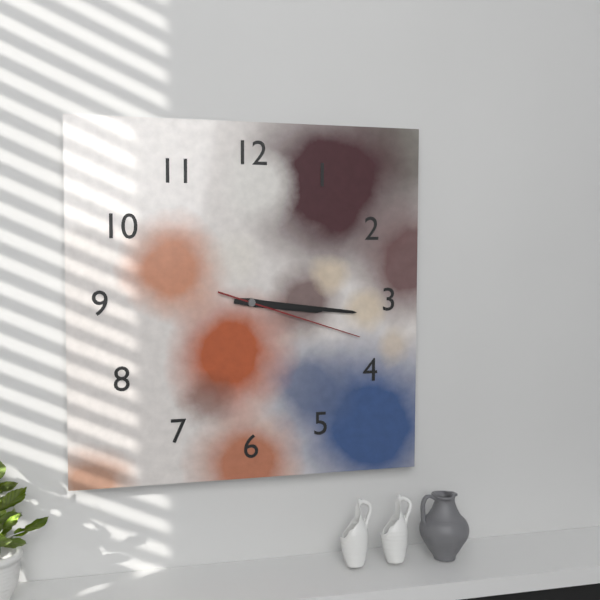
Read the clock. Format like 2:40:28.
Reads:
3:16:18
